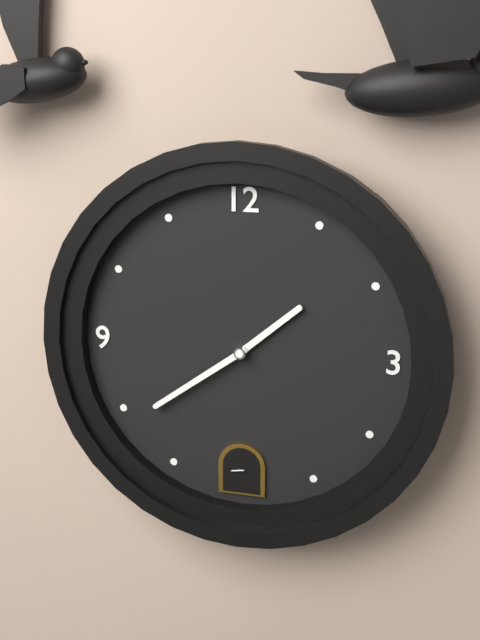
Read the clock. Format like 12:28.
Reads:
1:39
